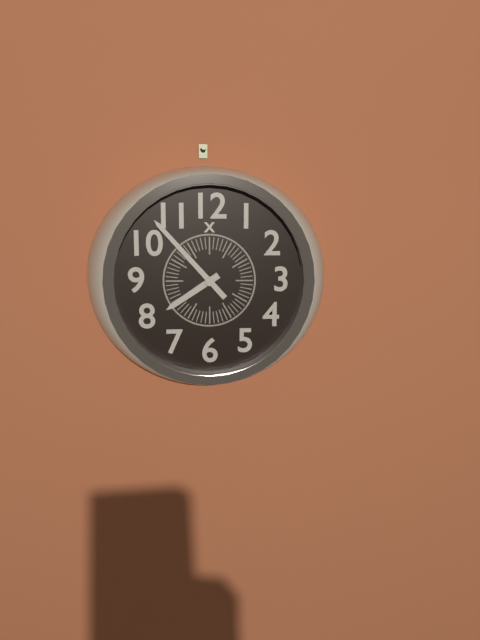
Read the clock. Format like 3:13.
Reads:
7:53
